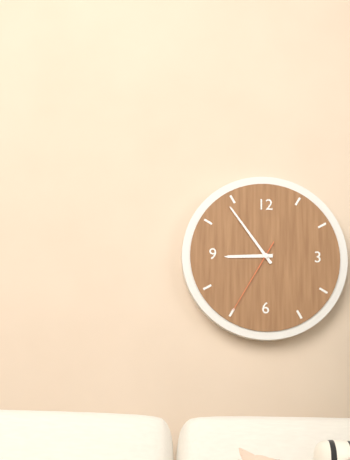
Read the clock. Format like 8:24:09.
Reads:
8:54:35
